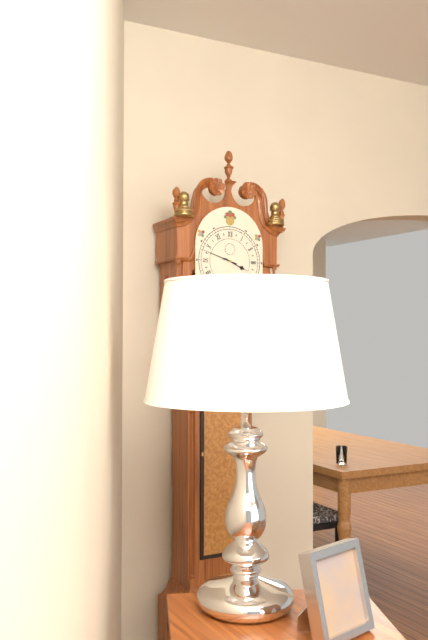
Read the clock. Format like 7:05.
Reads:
3:48
